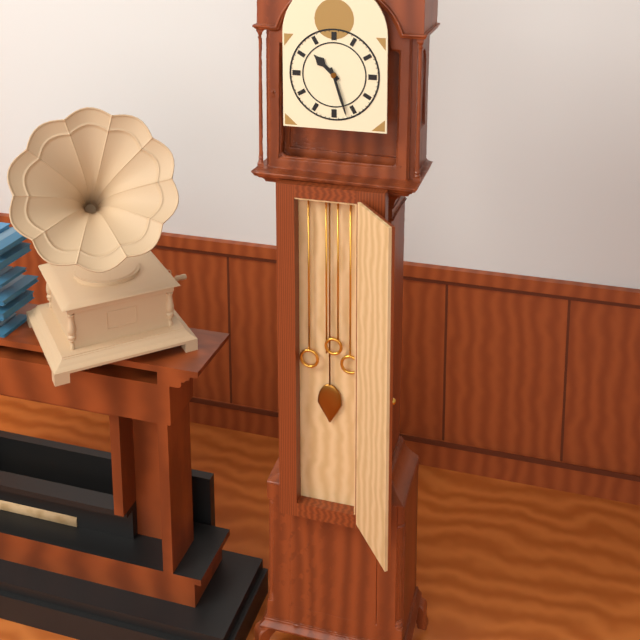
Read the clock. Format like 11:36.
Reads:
10:27
